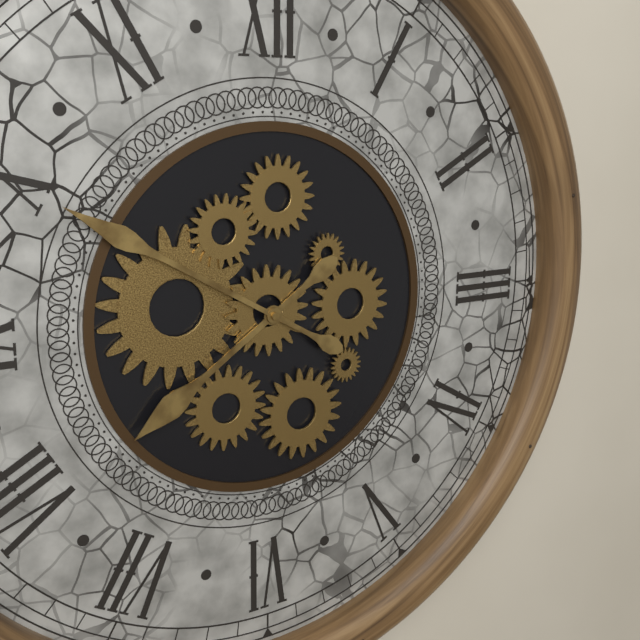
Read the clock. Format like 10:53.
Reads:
7:50
